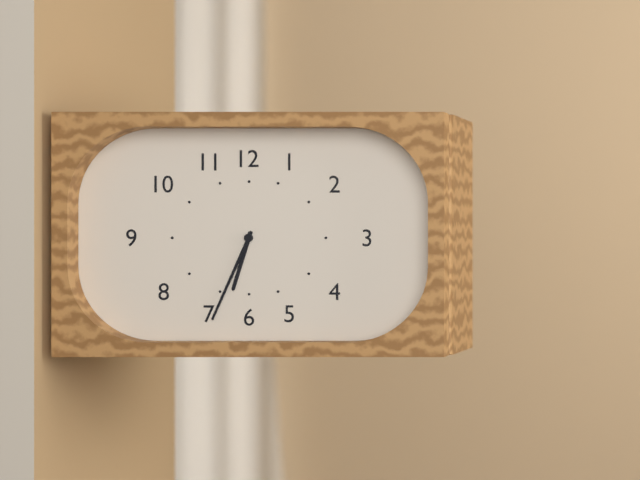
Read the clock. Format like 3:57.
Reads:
6:34
